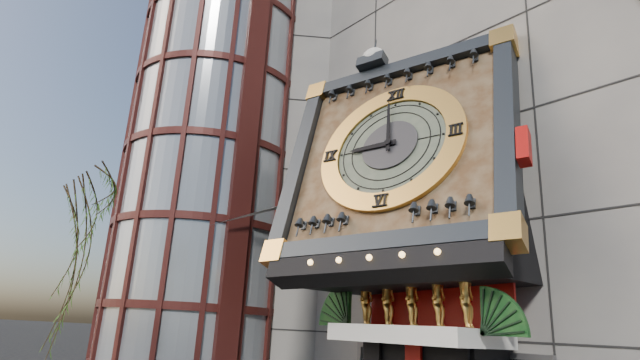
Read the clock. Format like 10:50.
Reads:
8:59
